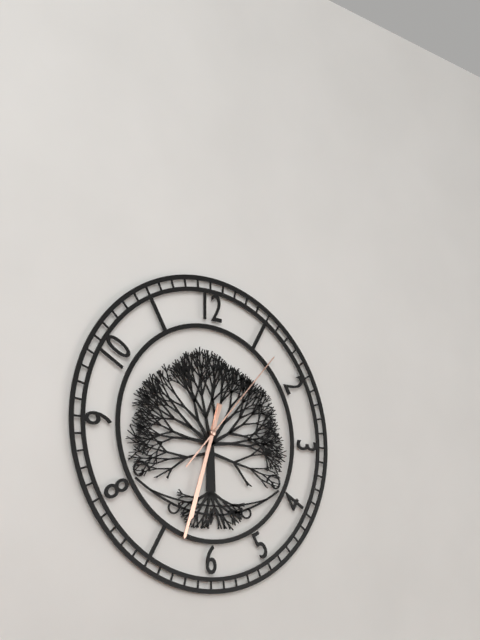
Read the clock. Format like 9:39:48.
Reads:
6:33:07
